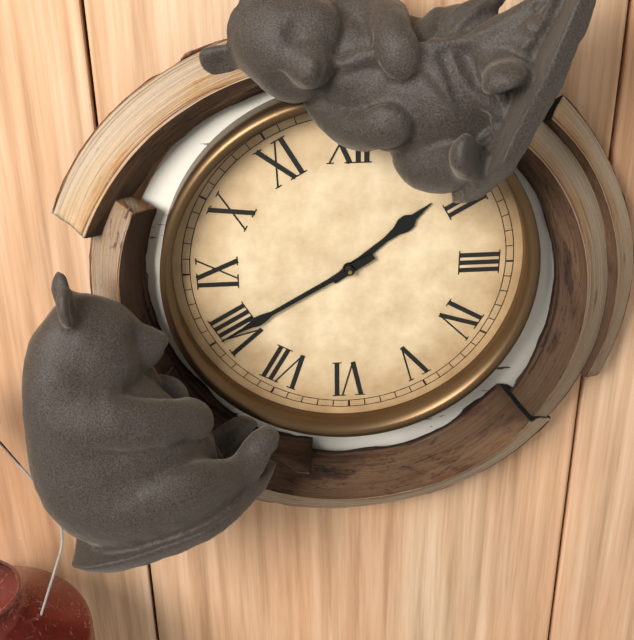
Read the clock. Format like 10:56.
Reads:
1:40
